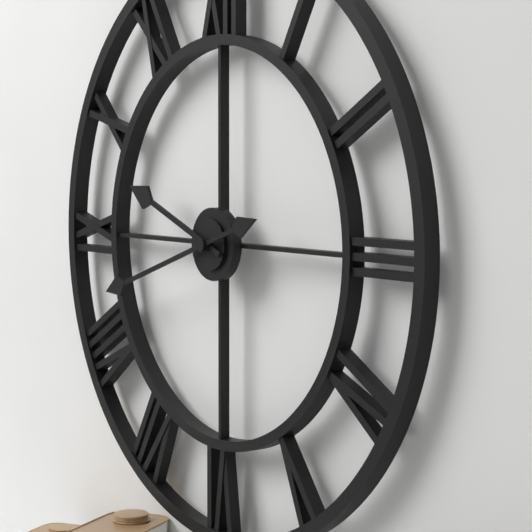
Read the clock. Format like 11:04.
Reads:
9:42
